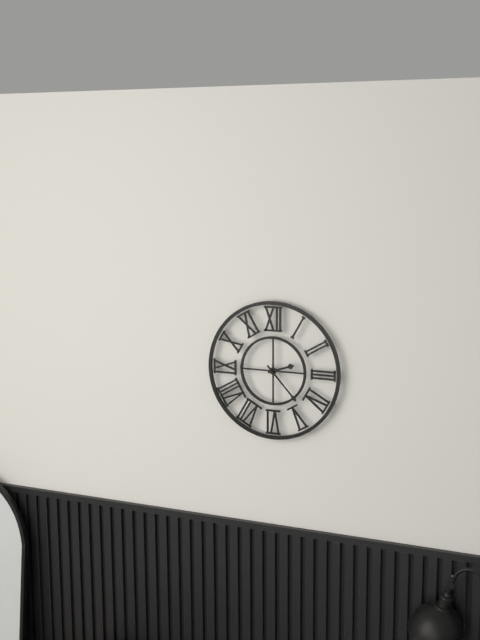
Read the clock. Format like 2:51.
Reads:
2:23
